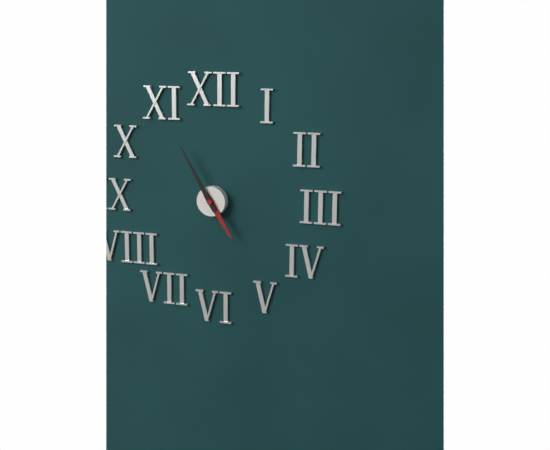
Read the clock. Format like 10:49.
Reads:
4:55
